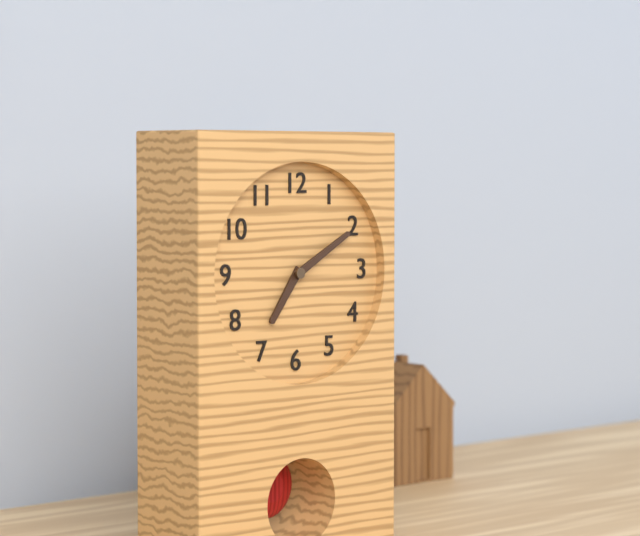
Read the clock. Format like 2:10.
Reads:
7:10
